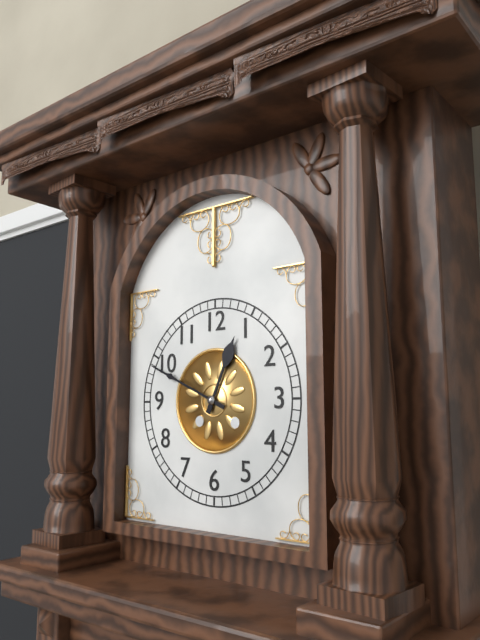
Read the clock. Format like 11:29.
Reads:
12:49
